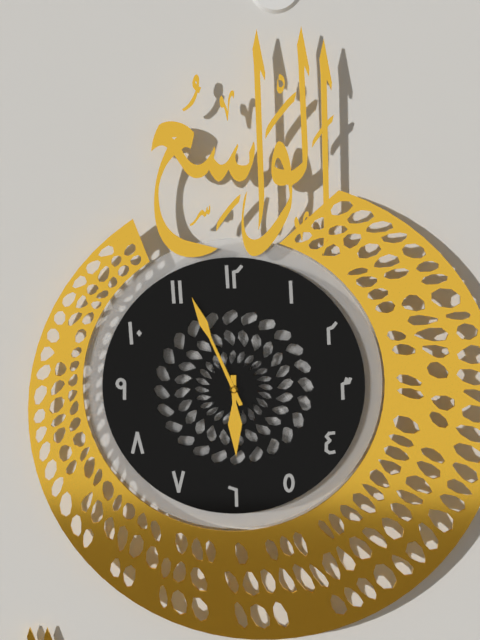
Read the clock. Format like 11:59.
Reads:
5:56
